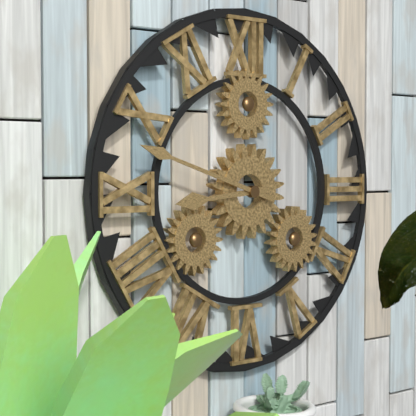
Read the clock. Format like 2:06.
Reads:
8:48
